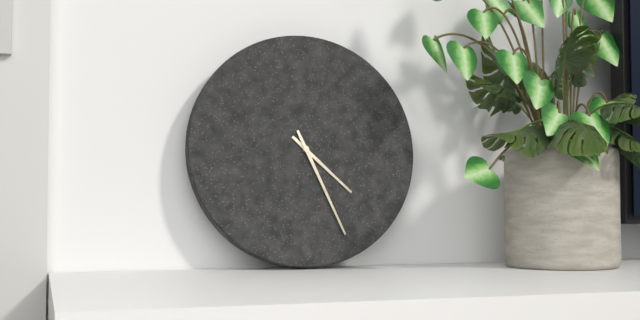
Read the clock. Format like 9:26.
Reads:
4:26
